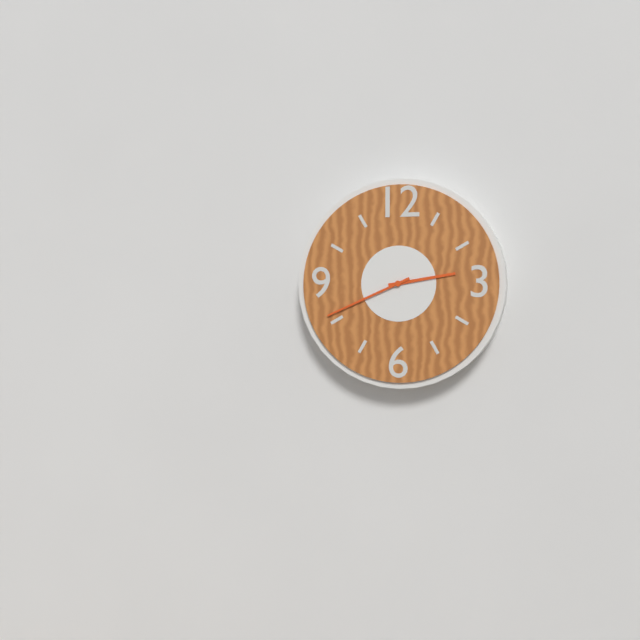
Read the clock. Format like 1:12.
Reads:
2:41
